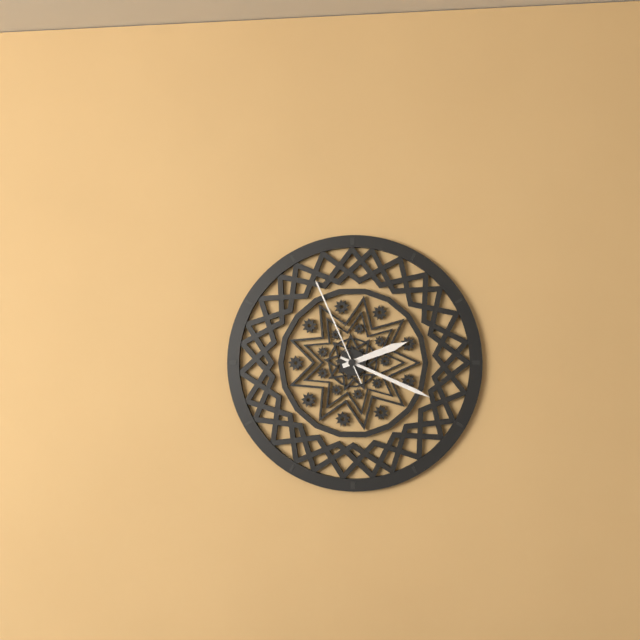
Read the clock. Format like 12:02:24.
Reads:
2:19:56
